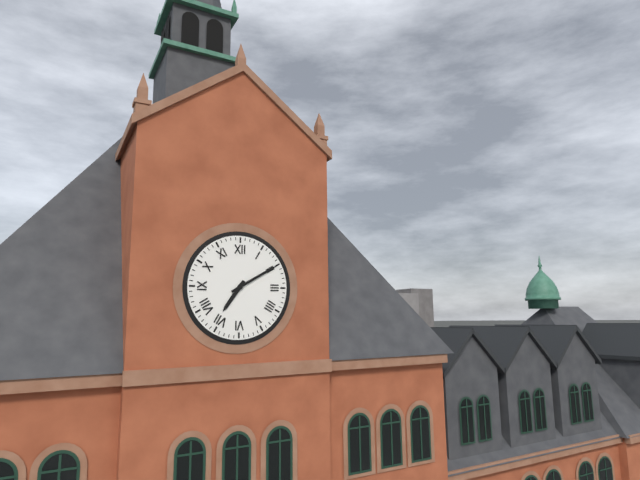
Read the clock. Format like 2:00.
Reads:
7:10
